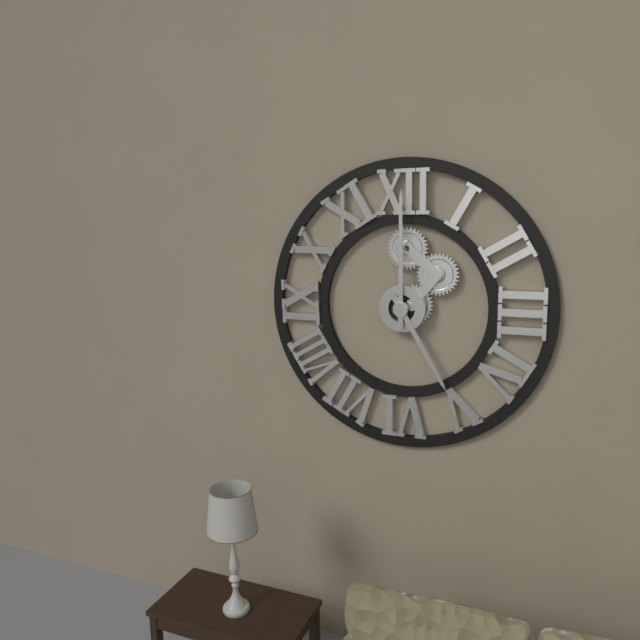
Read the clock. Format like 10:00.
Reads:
5:00
